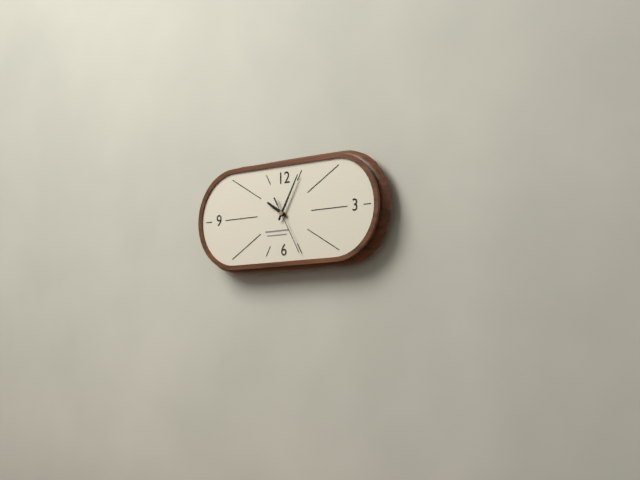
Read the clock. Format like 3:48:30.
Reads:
10:05:25
